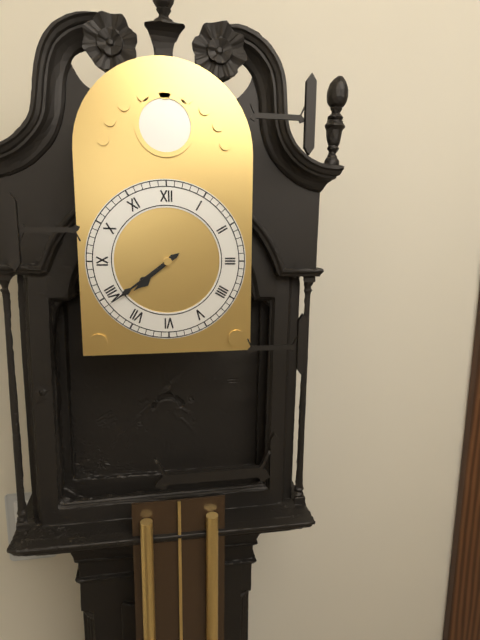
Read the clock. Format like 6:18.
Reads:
7:39
